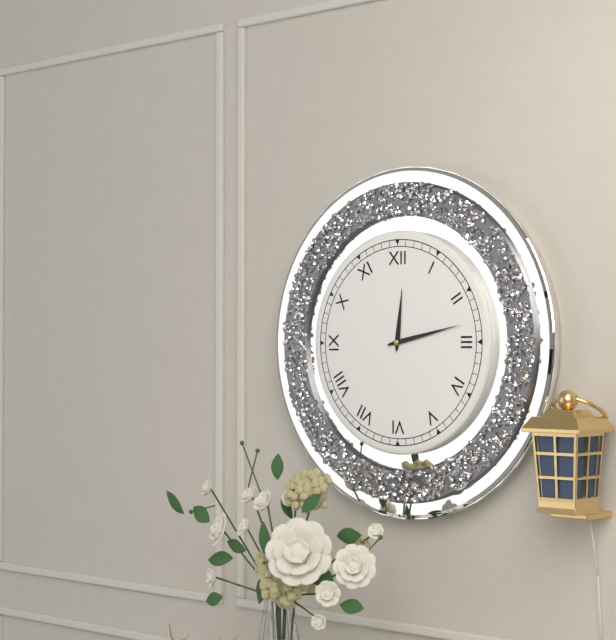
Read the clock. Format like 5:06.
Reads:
12:13
